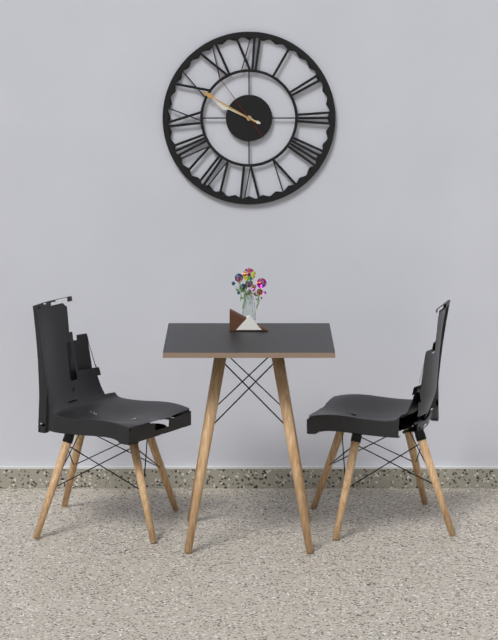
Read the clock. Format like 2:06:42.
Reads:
9:50:54
